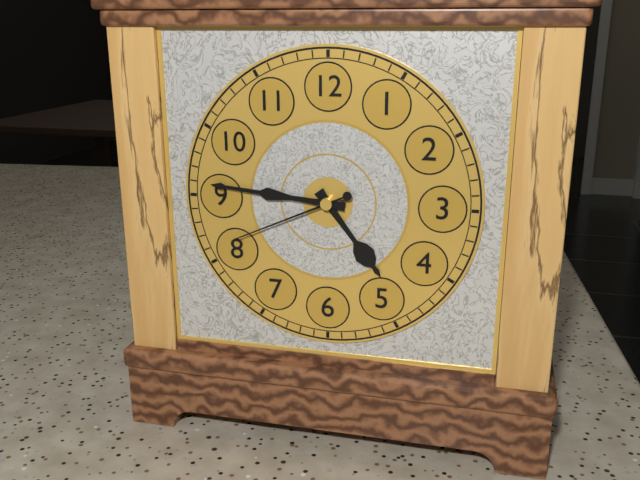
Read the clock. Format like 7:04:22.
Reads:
4:46:41
